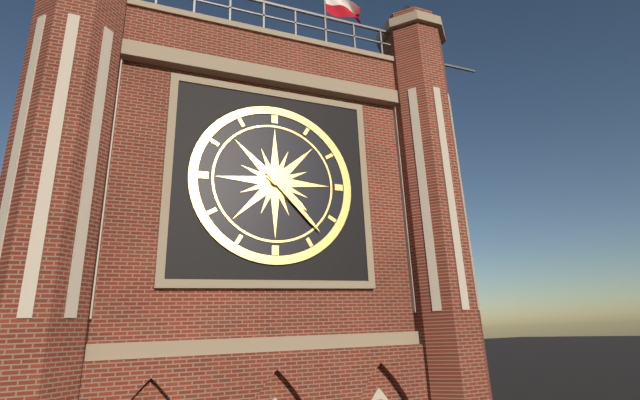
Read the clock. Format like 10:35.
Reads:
4:23
